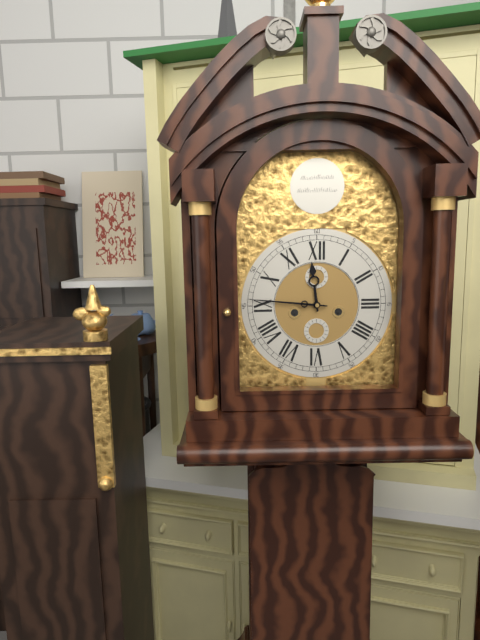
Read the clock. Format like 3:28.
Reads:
11:46
